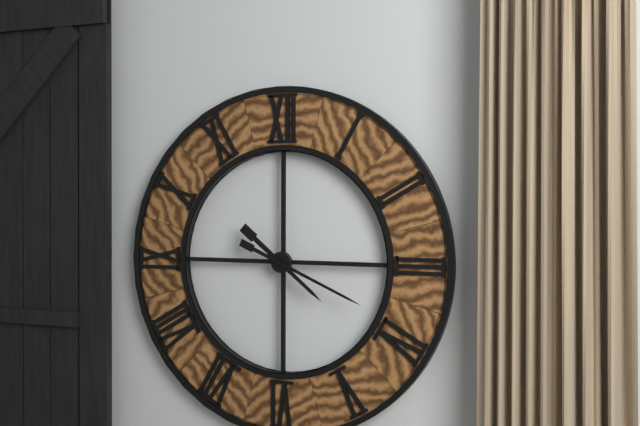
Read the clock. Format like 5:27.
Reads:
4:19
